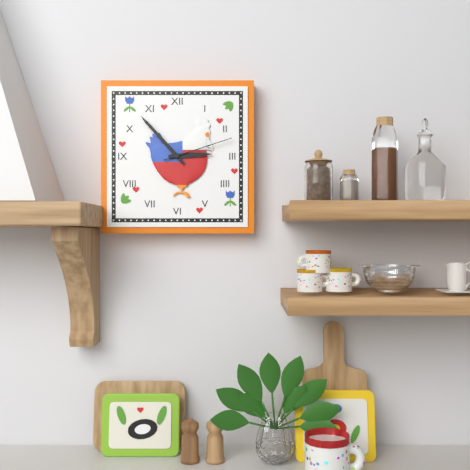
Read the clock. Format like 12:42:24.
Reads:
2:53:12
